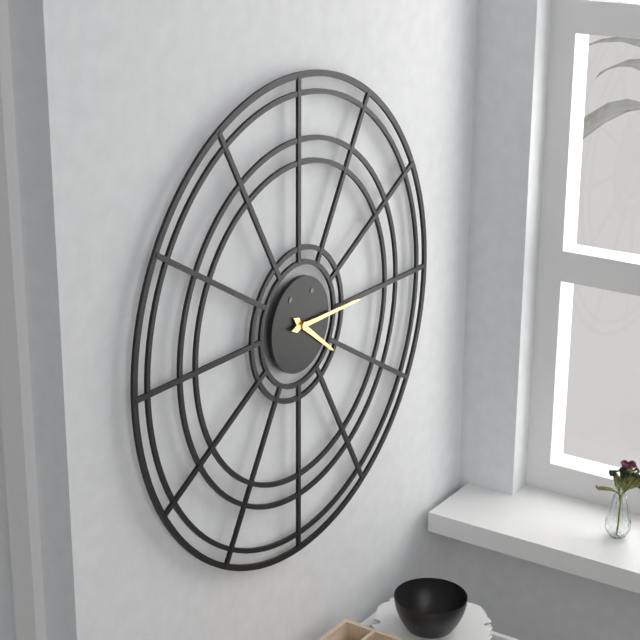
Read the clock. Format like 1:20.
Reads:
4:15
